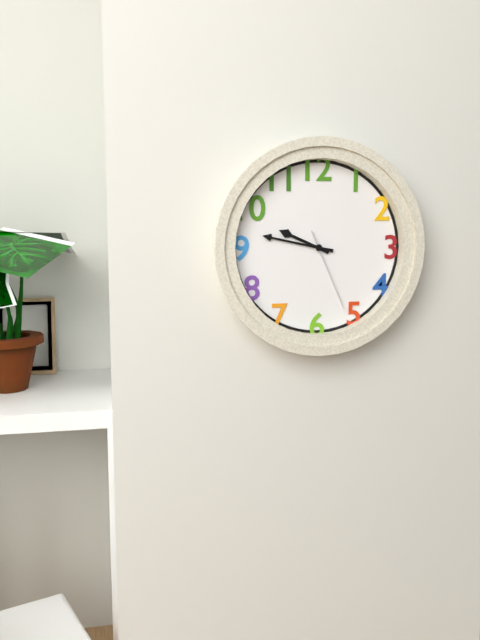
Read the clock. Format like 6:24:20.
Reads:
9:47:26
